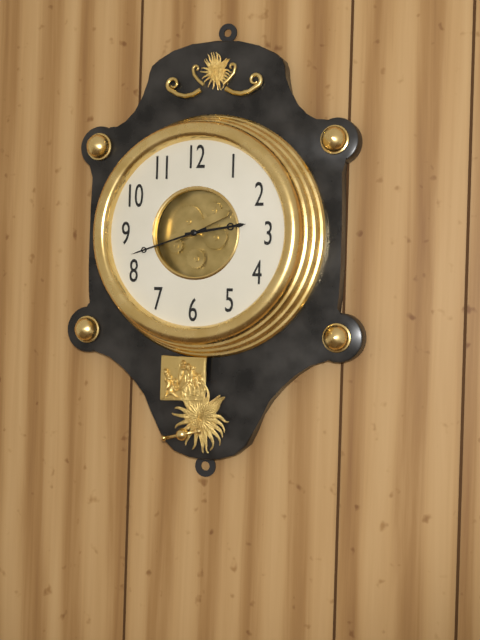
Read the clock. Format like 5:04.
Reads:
2:42
